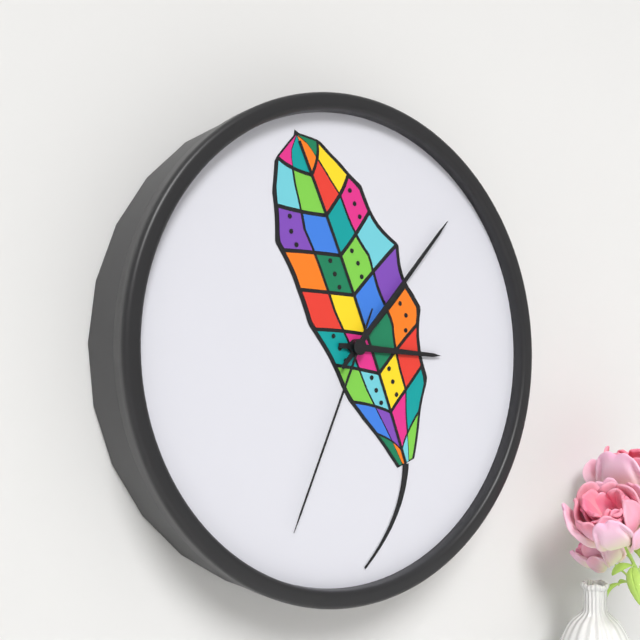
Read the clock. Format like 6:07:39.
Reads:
3:07:34
